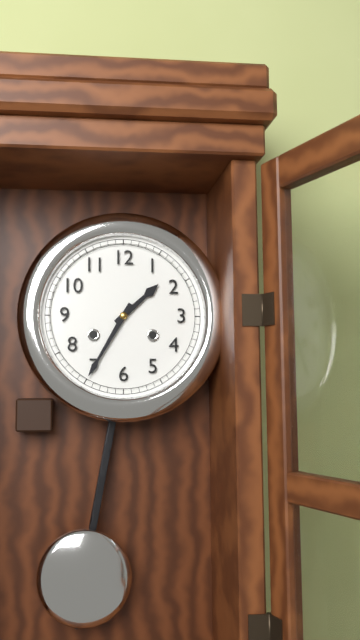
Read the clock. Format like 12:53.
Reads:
1:35
